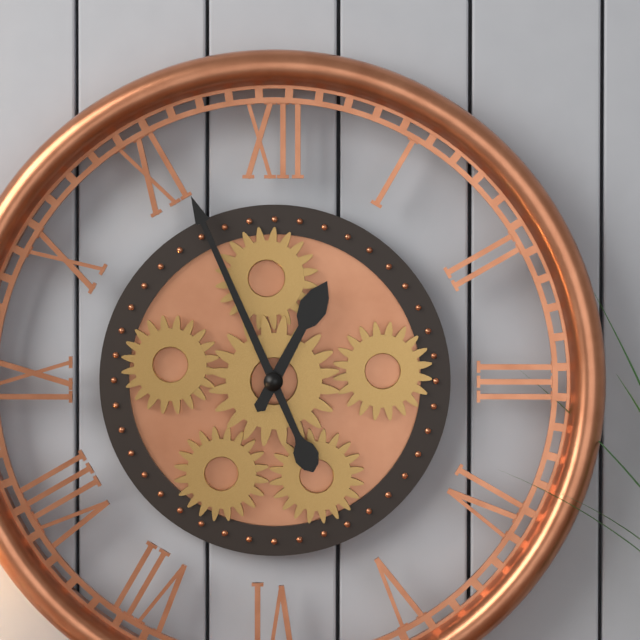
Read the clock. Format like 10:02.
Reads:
12:56
